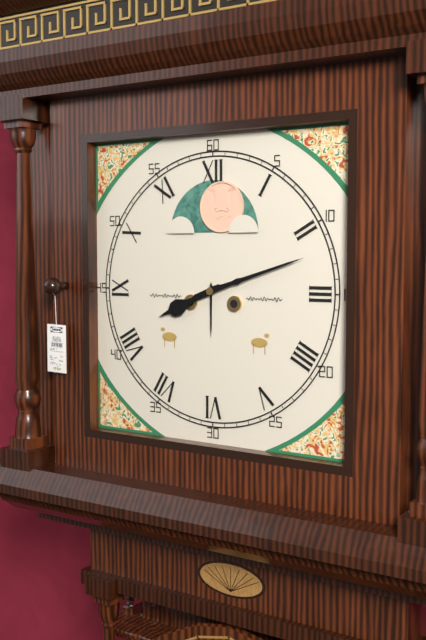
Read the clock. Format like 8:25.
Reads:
8:12
